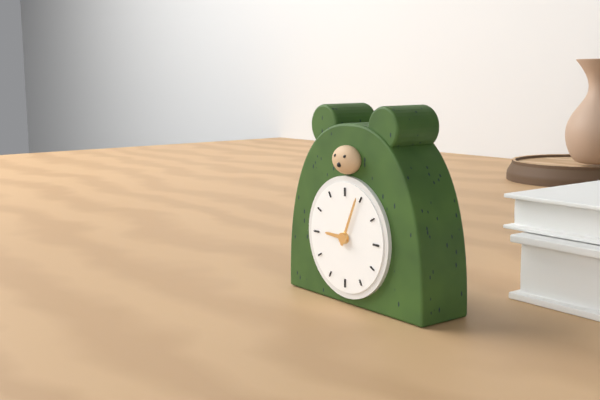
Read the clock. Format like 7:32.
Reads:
9:04
